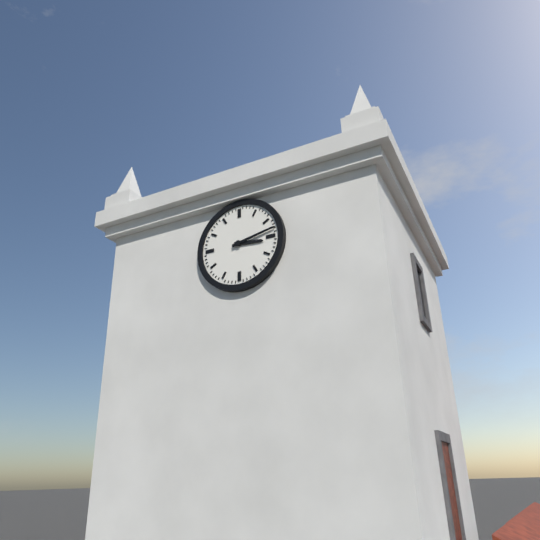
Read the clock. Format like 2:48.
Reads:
3:13
